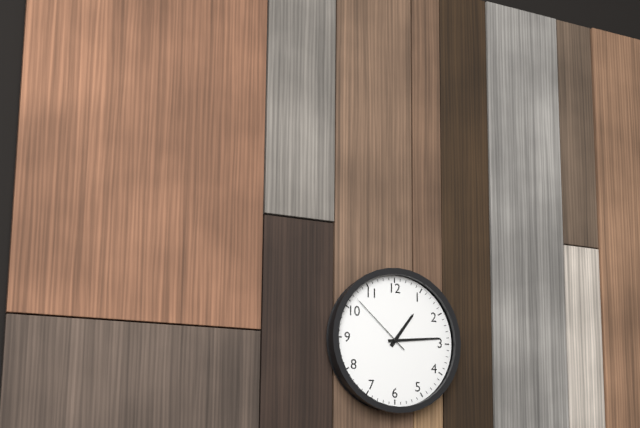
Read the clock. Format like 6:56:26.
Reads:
1:14:52
